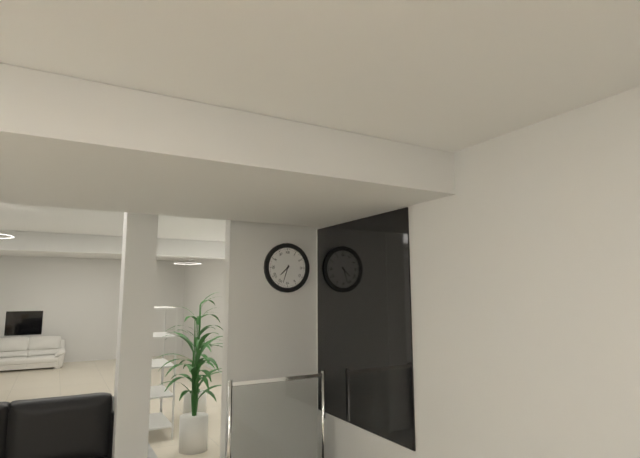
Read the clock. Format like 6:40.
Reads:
7:33
